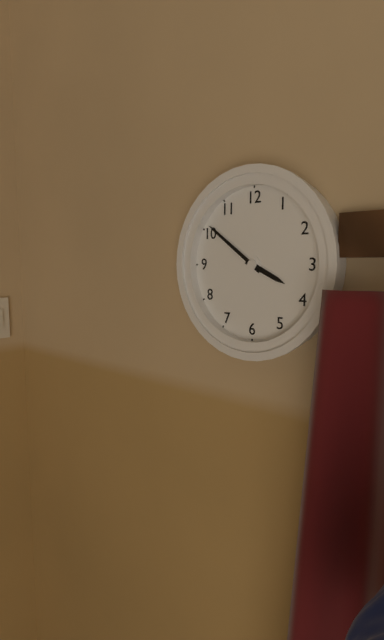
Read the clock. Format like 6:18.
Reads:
3:51
